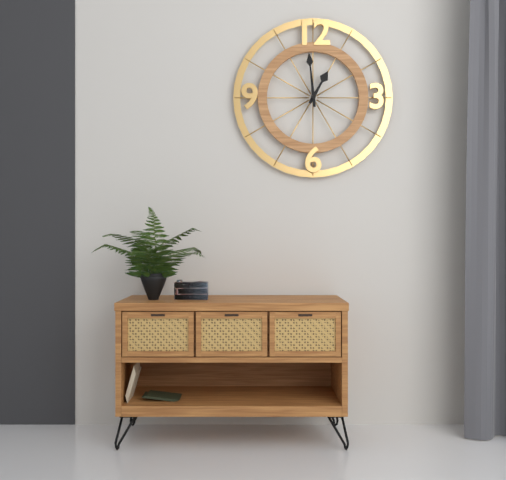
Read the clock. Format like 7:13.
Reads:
12:59
